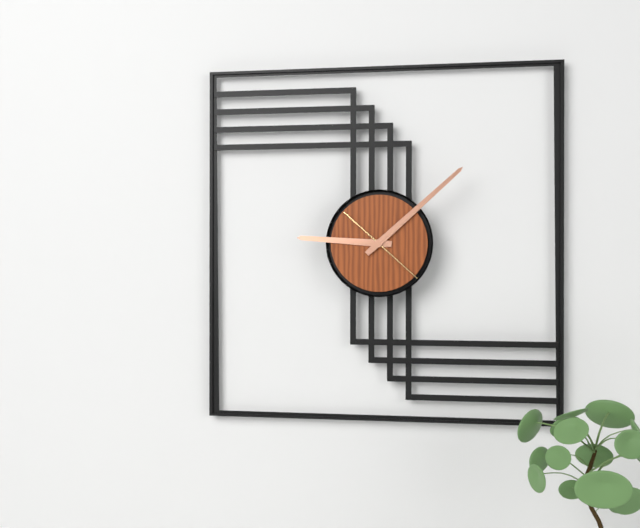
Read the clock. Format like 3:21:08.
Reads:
9:08:22
